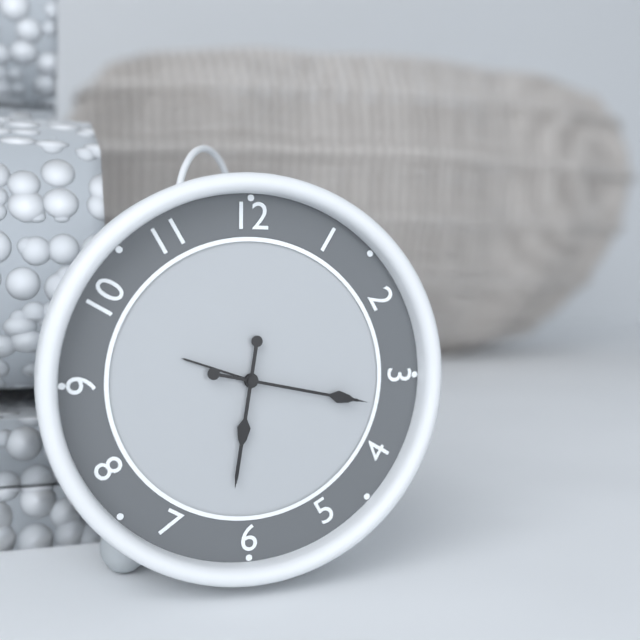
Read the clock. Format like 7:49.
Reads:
6:17
